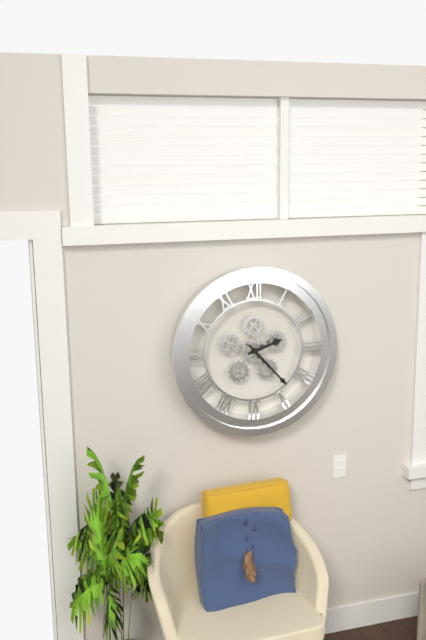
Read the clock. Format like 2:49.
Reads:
2:23
